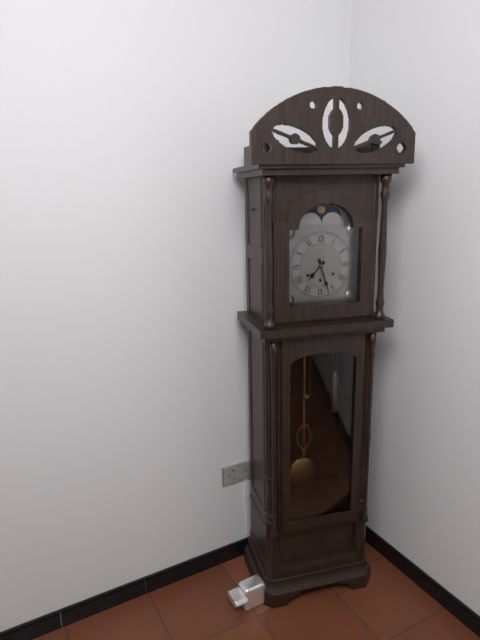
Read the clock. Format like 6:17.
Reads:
7:27
